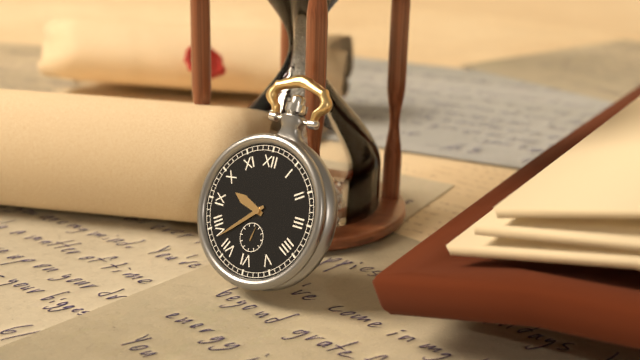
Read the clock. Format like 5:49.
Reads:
9:38
